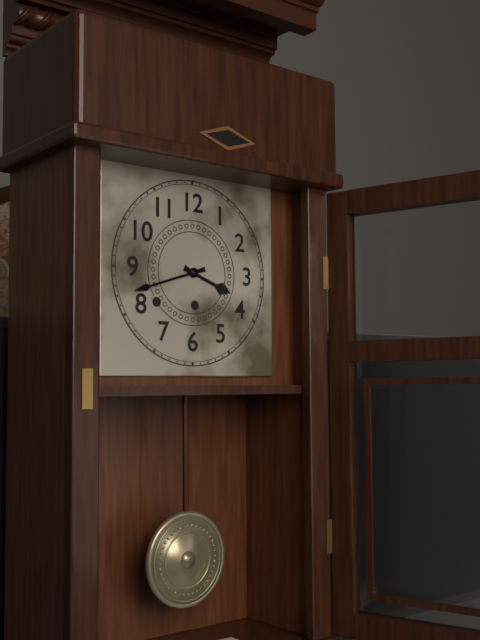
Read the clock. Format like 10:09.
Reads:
3:42
